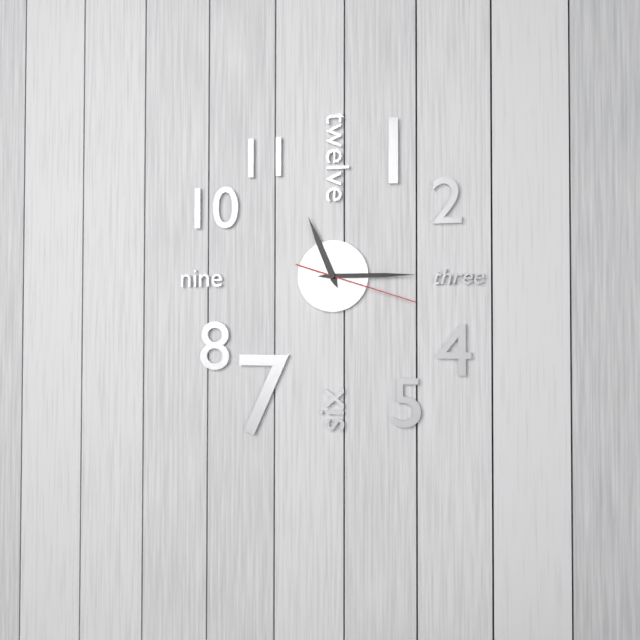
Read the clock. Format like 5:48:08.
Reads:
11:15:18
